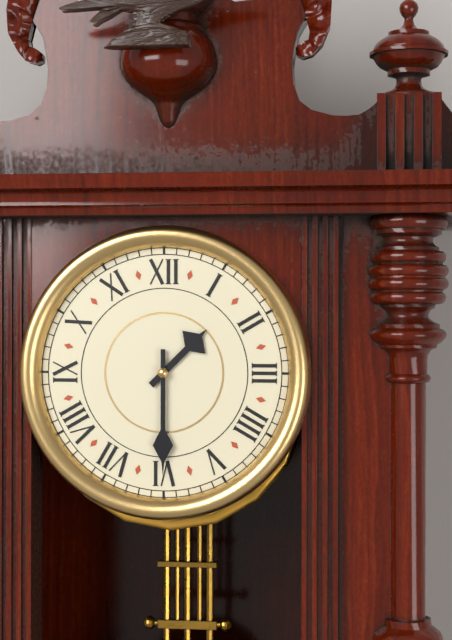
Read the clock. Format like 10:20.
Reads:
1:30
